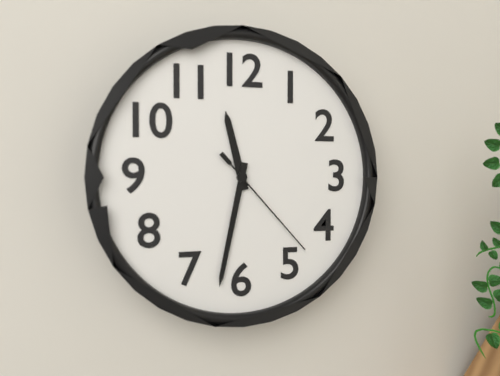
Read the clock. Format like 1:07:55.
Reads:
11:32:23
